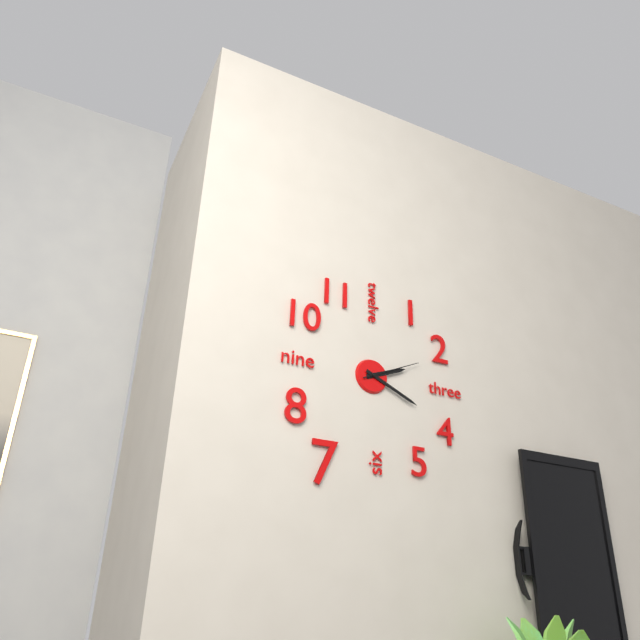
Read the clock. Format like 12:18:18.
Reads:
2:19:11
